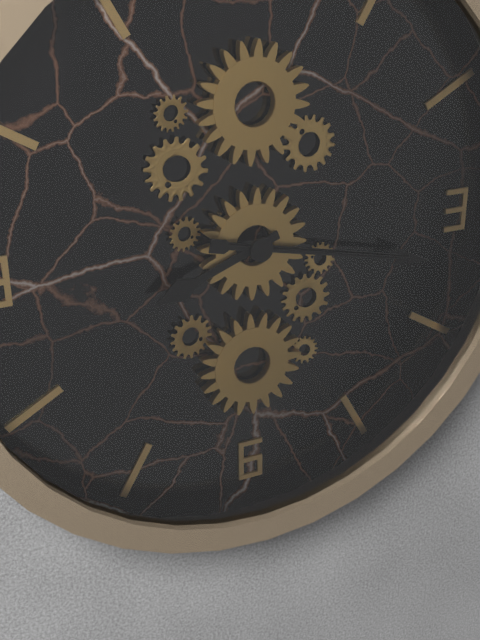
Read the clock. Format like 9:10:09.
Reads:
8:17:17
